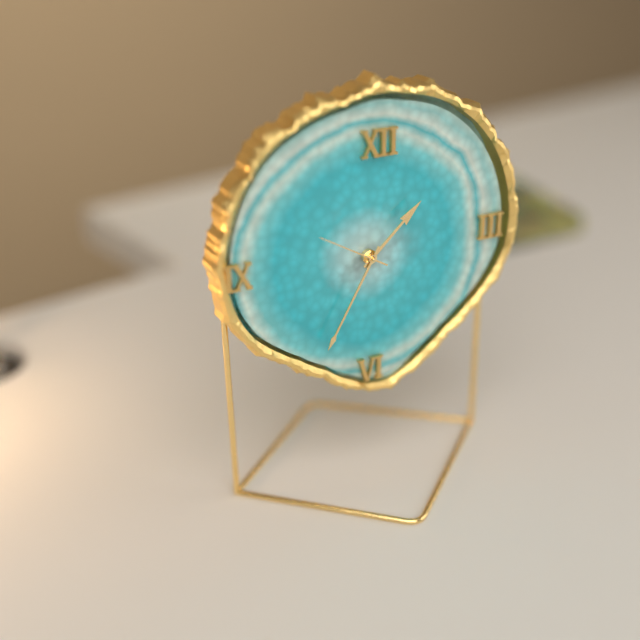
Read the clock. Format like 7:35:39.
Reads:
1:35:50
